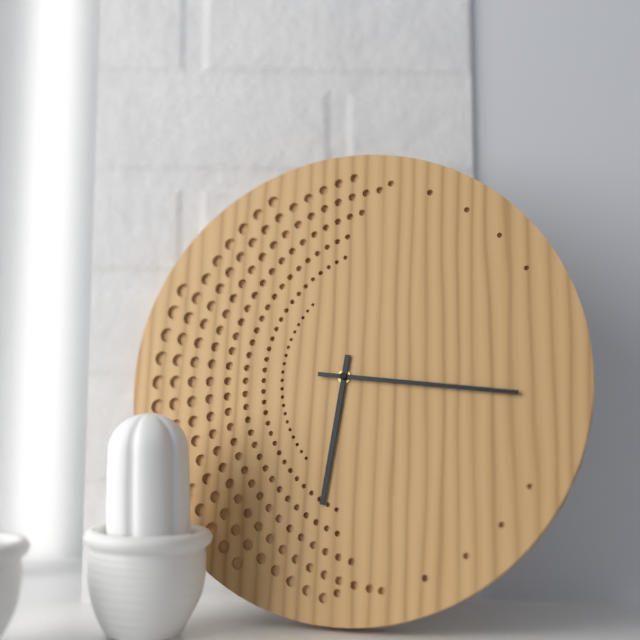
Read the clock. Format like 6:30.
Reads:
6:16
